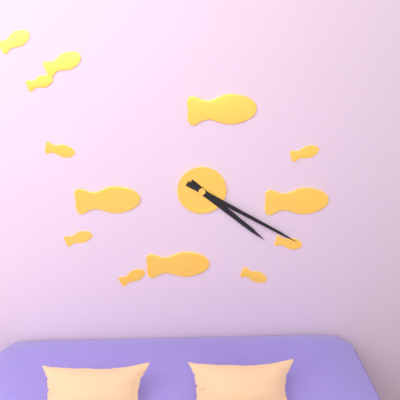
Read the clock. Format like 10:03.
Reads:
4:20
